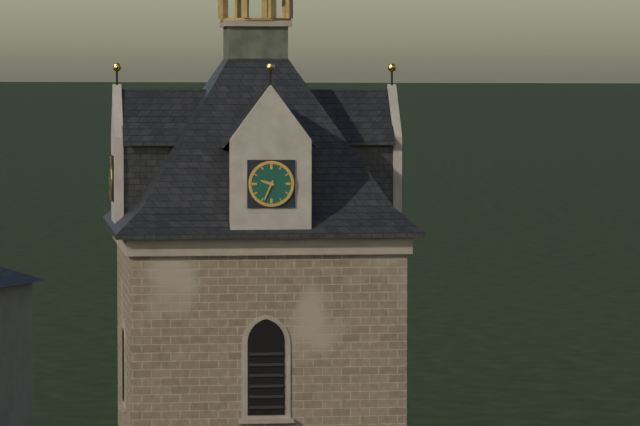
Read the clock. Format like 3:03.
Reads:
9:34
